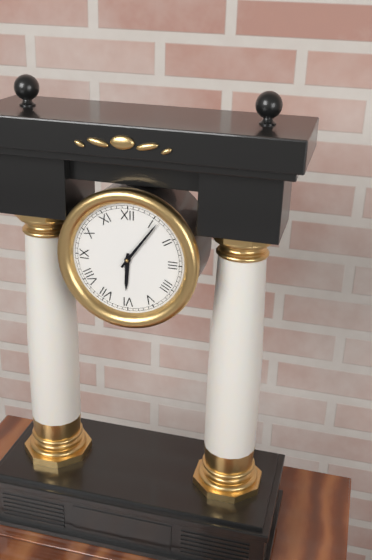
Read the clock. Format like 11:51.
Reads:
6:06
